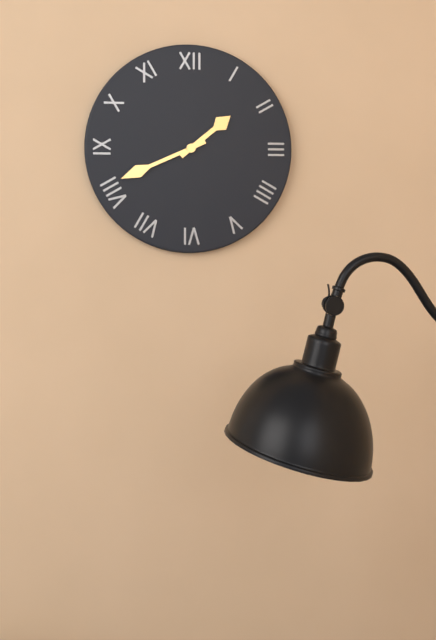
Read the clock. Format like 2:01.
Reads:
1:41
